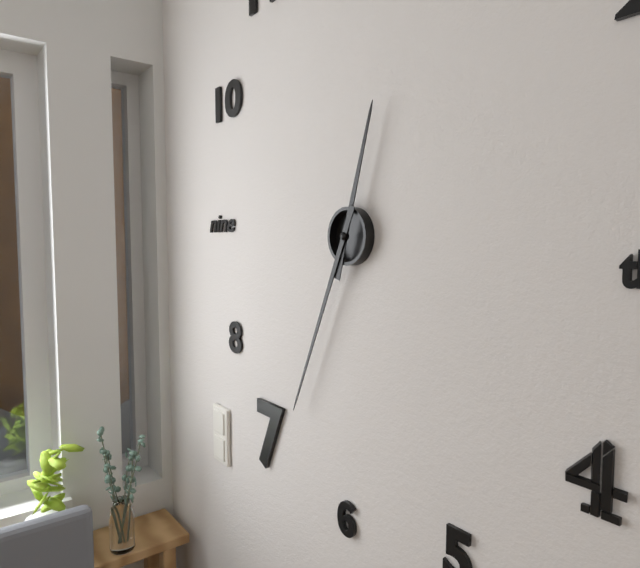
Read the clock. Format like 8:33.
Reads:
12:34
